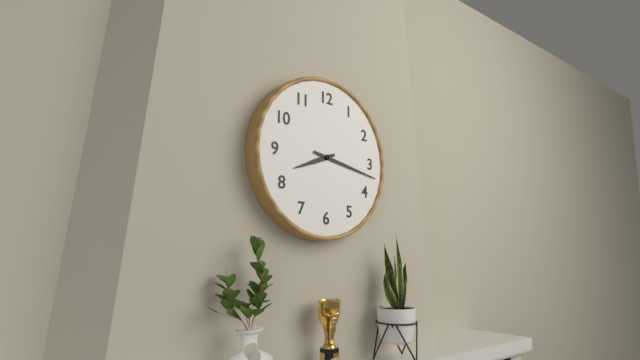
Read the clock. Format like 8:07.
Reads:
8:17
